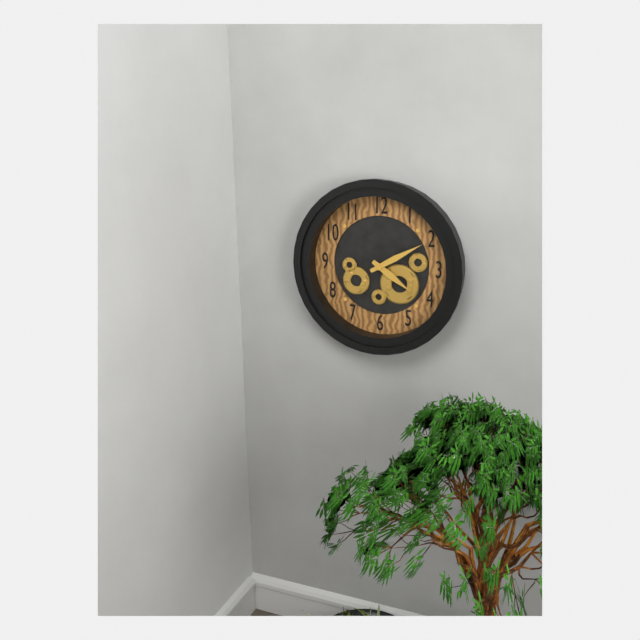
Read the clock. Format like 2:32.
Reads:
4:10
